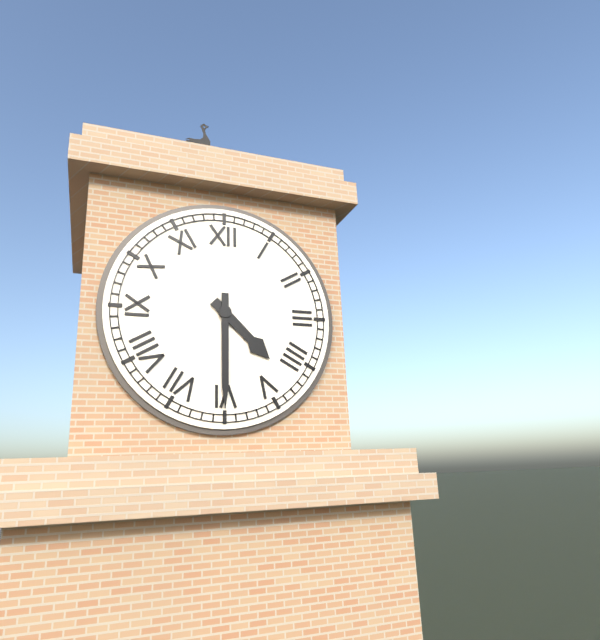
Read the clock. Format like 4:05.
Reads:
4:30
